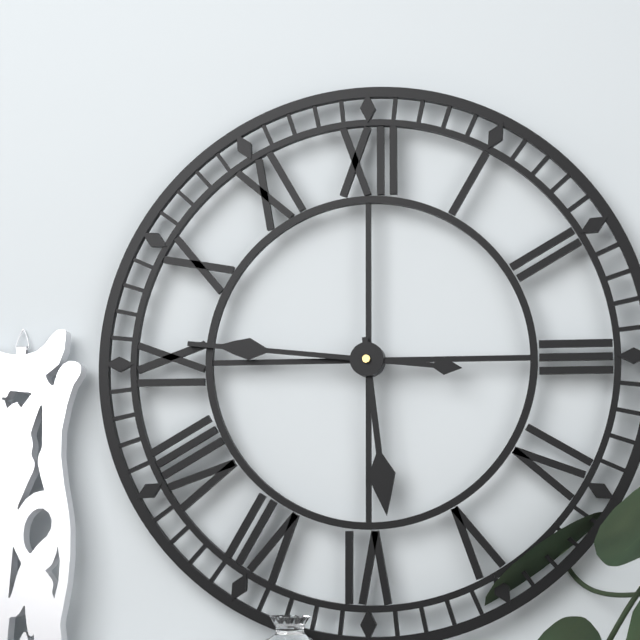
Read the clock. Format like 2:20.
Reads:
5:46
